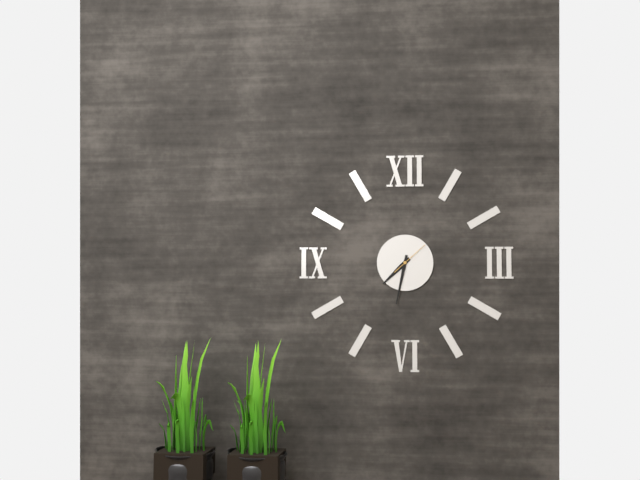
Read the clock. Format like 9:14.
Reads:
7:32
